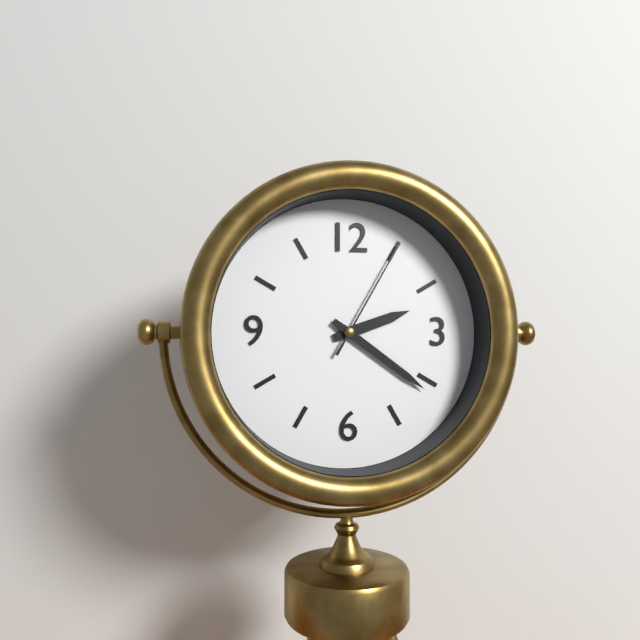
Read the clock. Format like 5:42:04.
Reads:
2:21:05
